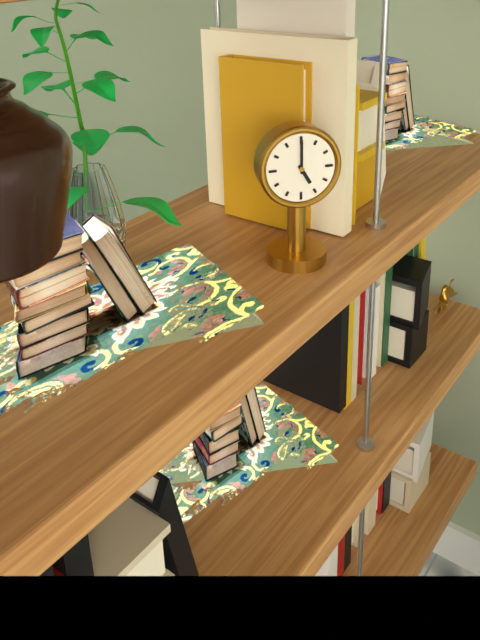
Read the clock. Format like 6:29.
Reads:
5:00
